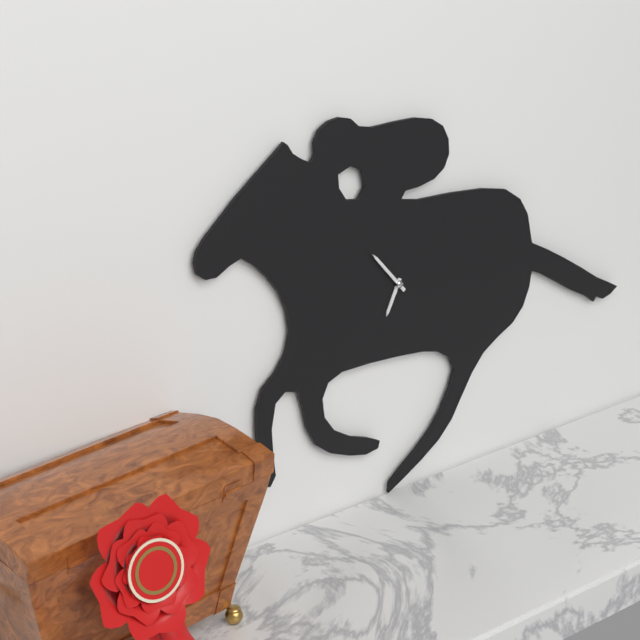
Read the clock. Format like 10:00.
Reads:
6:53
